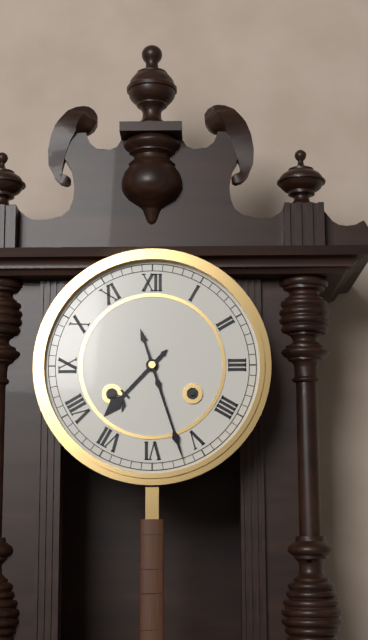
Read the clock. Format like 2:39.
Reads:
7:27
